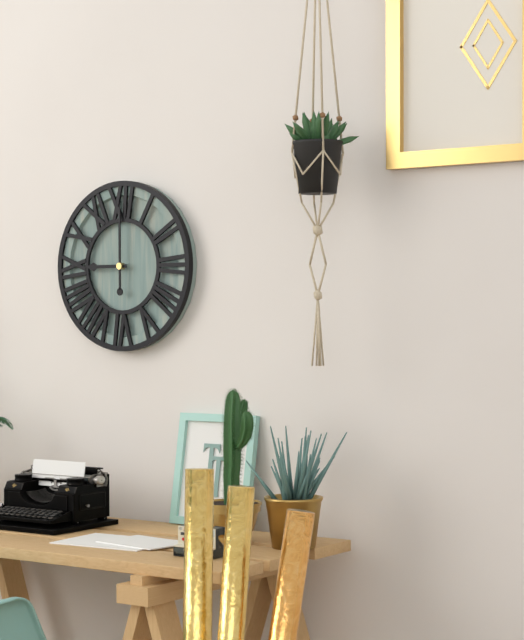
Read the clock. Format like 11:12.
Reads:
9:00
